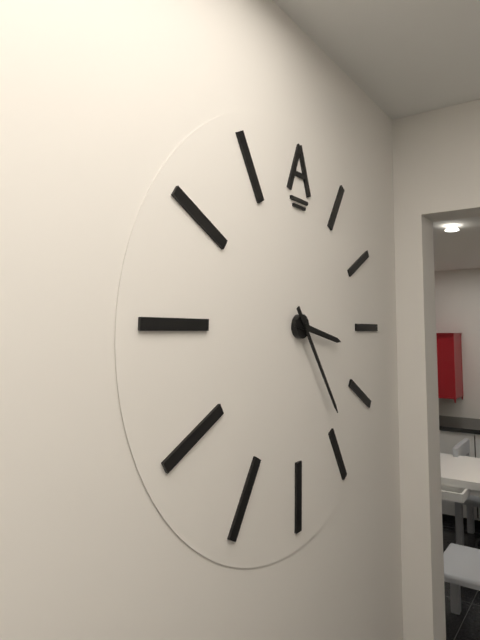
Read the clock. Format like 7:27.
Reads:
3:24
